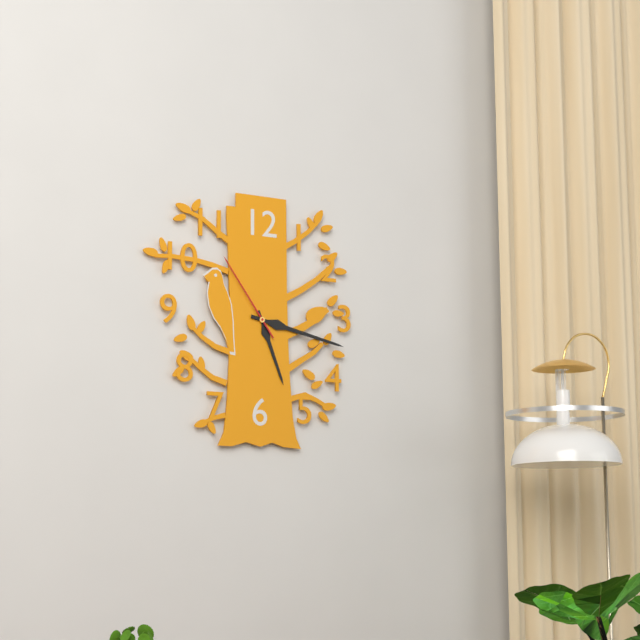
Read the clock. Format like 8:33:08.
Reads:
5:17:54
